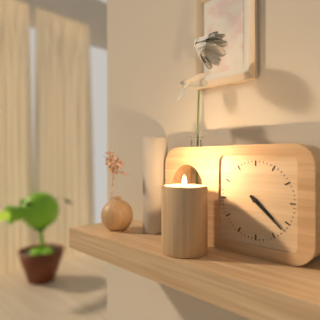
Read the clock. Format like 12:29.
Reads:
4:22
